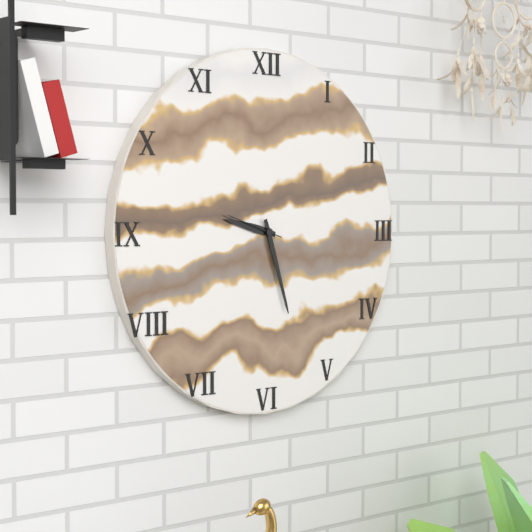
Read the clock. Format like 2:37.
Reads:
9:27
